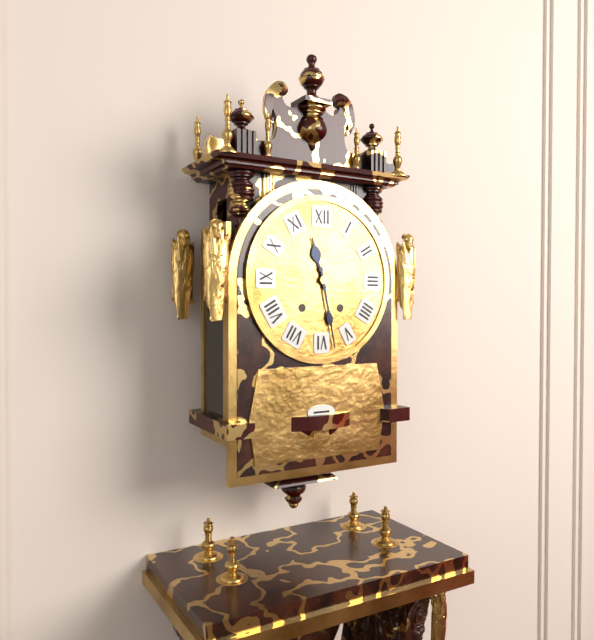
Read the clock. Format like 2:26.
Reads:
11:28
